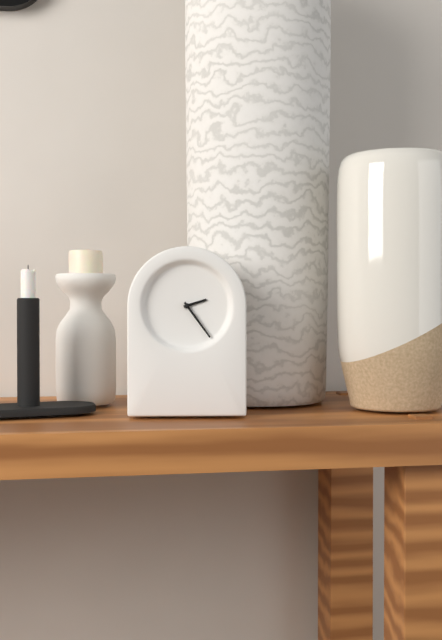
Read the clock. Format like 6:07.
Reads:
2:24
